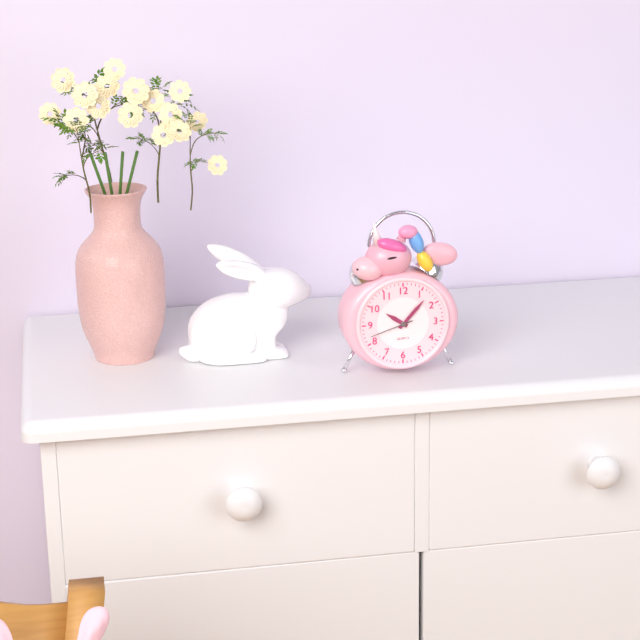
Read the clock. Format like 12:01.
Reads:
10:07
